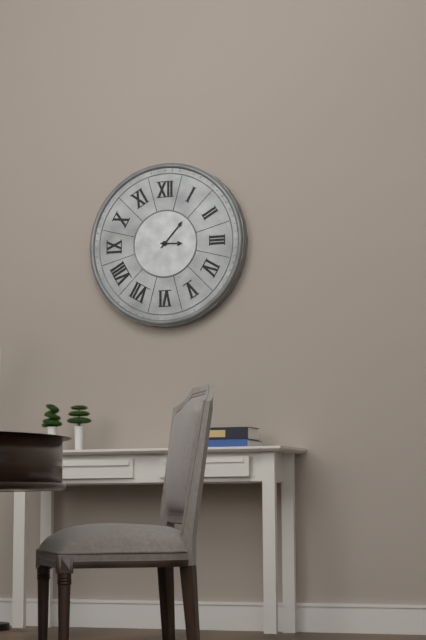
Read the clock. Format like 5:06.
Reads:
3:07
